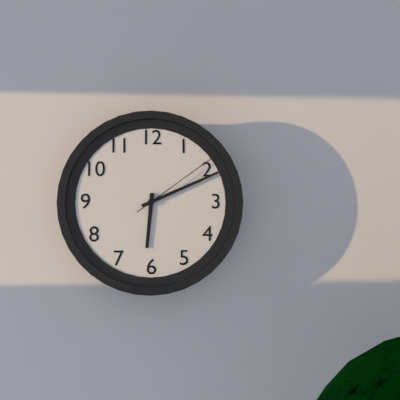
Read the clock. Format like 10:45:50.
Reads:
6:11:09
